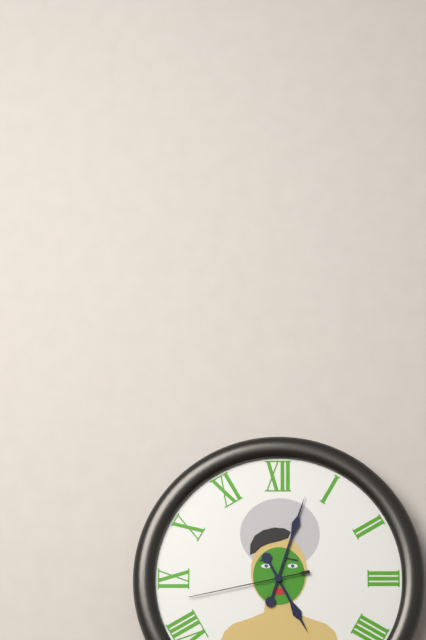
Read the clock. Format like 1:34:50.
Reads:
5:03:43
